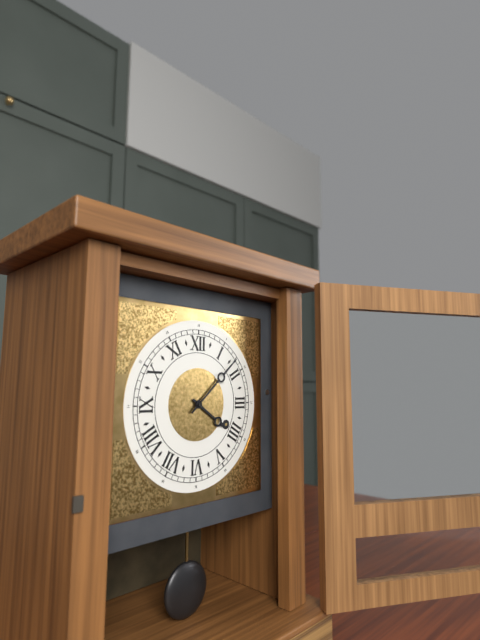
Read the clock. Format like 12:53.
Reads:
4:08
